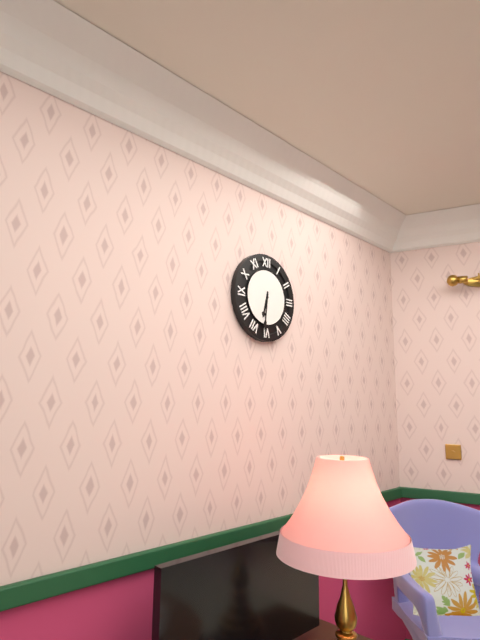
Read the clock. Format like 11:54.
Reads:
6:31
